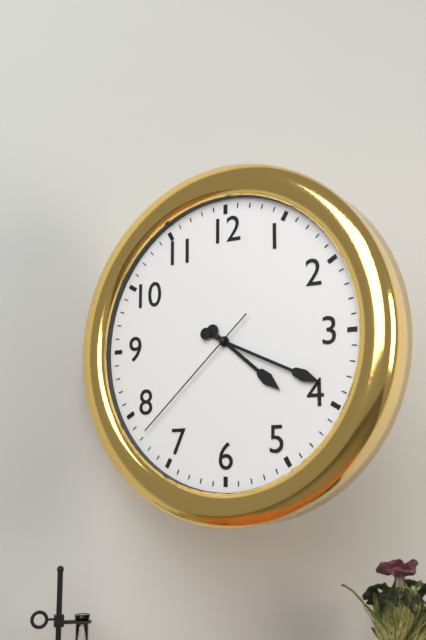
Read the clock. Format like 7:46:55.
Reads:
4:19:38
